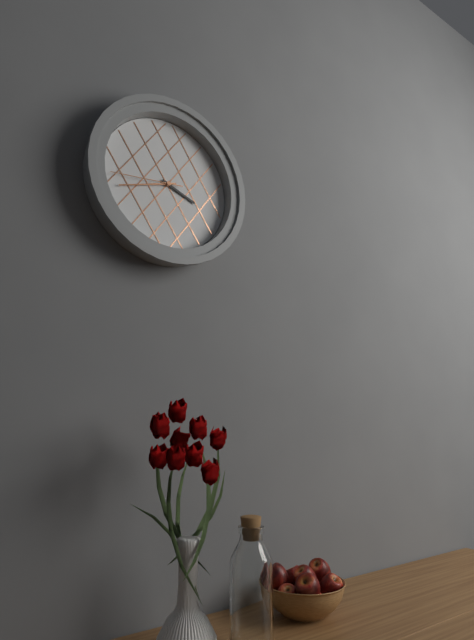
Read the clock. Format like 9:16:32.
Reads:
3:42:44
